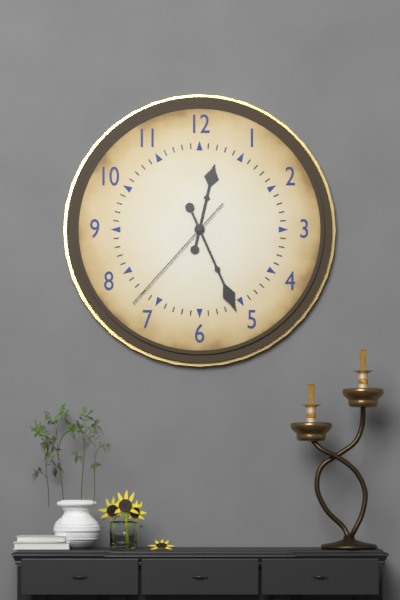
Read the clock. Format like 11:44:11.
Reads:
12:26:37
